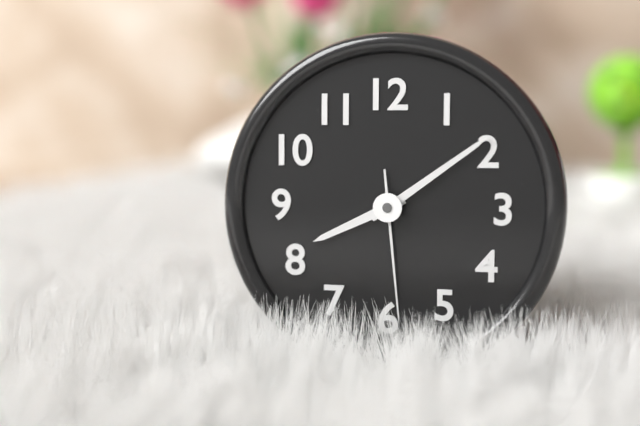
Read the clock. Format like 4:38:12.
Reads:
8:09:29
